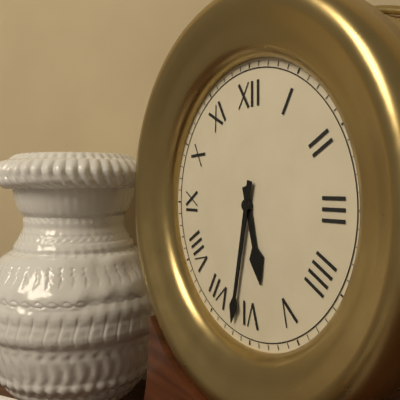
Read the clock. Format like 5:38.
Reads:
5:32
